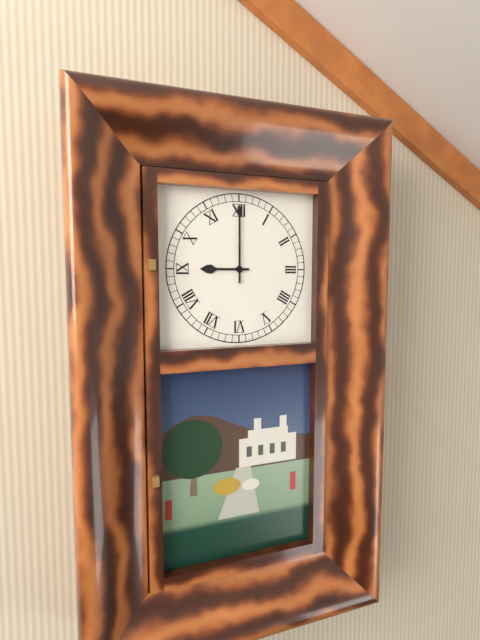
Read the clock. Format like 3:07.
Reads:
9:00
